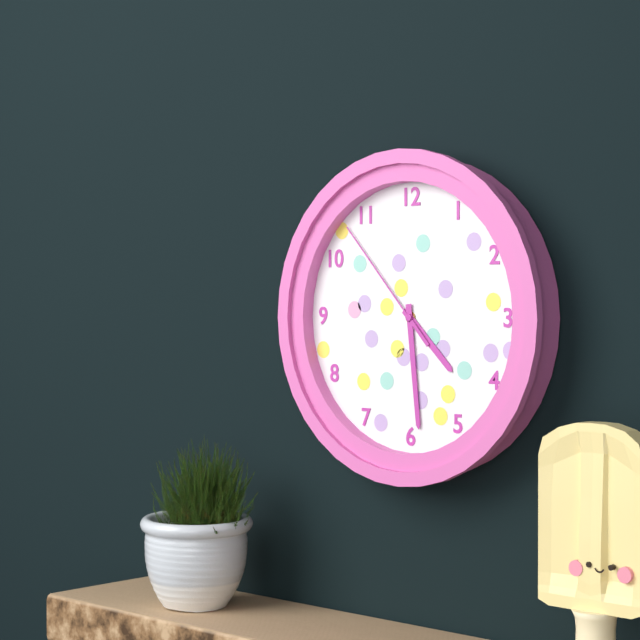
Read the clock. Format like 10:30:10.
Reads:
4:29:53
